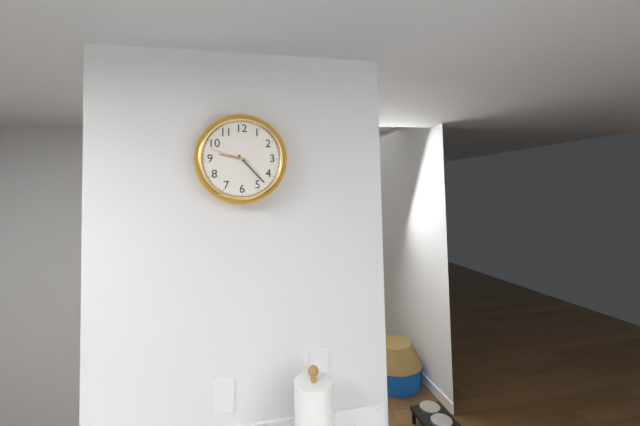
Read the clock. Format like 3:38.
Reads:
9:23
